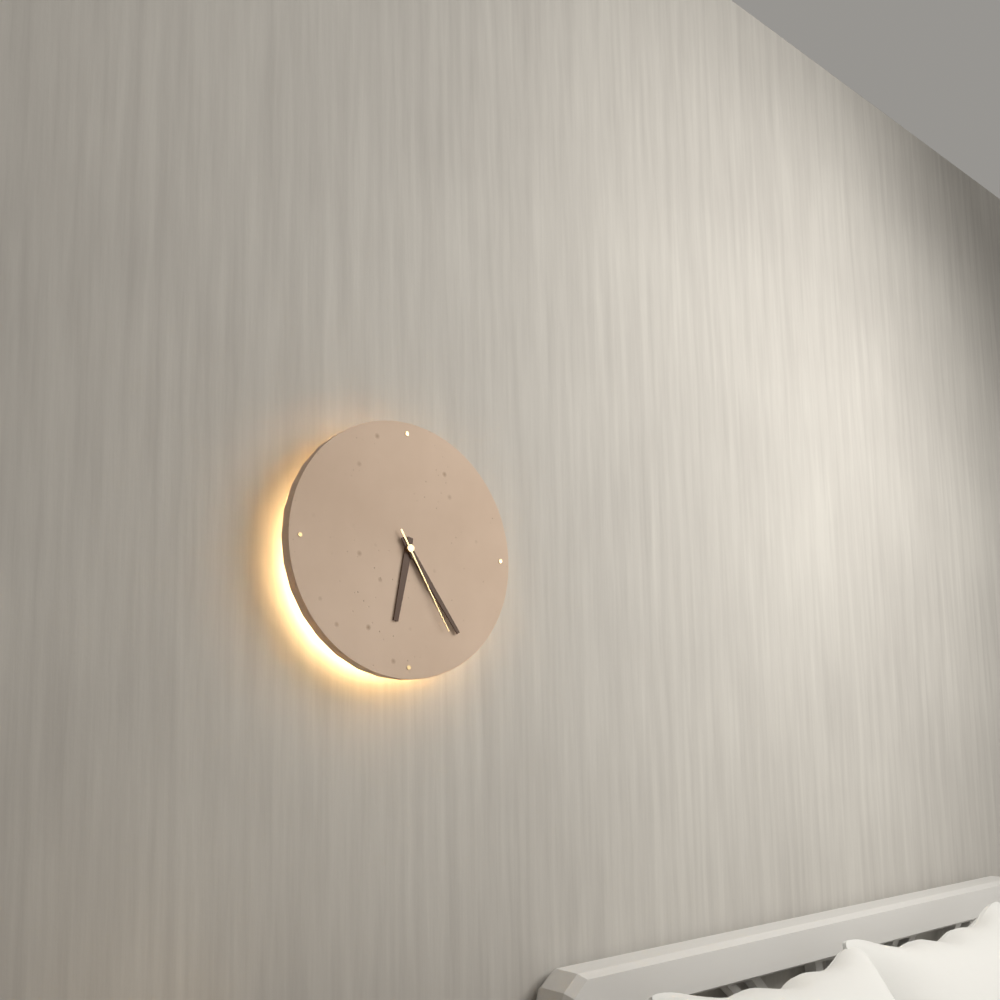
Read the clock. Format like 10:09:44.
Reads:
6:24:25
